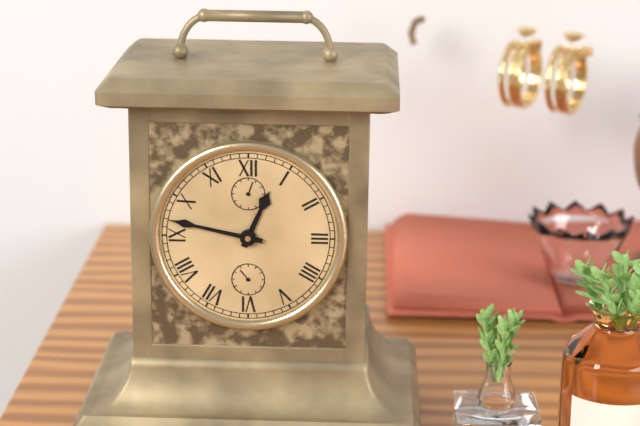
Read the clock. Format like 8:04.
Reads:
12:47
